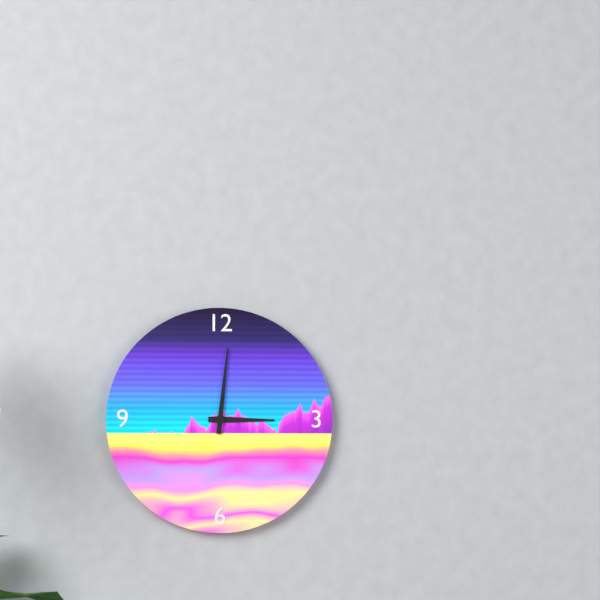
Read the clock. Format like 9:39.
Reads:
3:01
